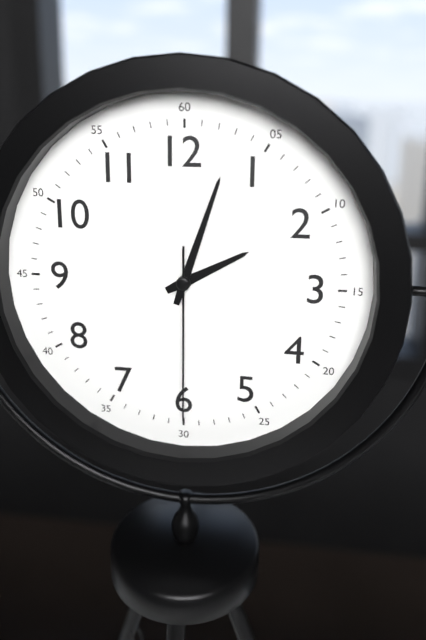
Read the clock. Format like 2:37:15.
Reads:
2:03:30
